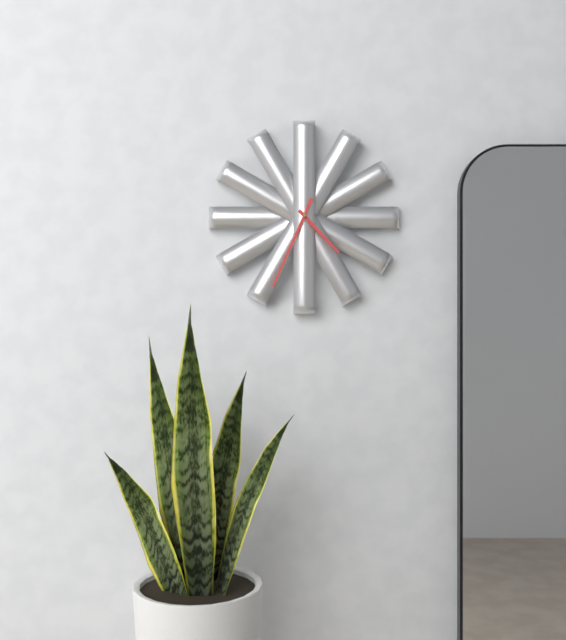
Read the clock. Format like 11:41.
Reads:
4:34
